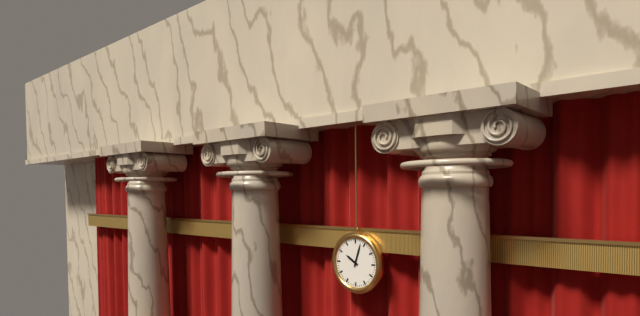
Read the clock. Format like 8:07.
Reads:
10:03
